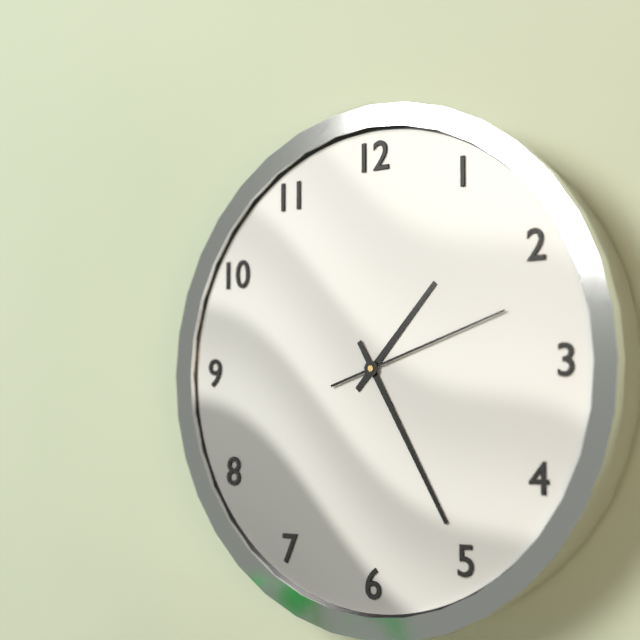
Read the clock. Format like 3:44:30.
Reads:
1:25:12
